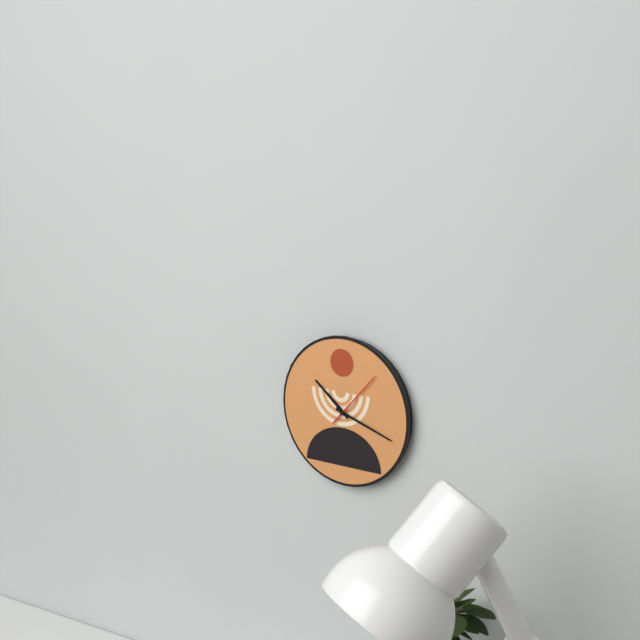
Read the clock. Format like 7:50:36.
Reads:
10:18:07
